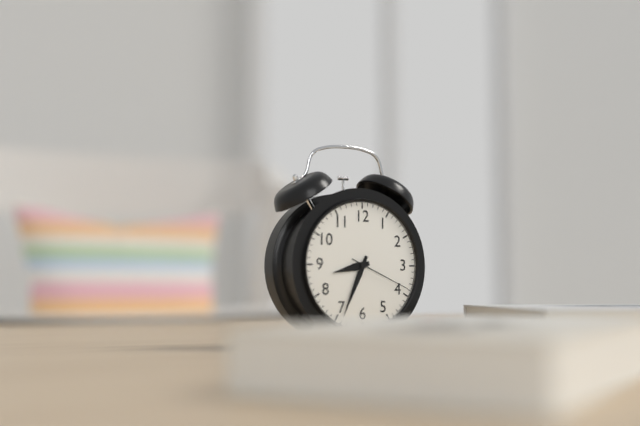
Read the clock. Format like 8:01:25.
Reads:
8:34:19
